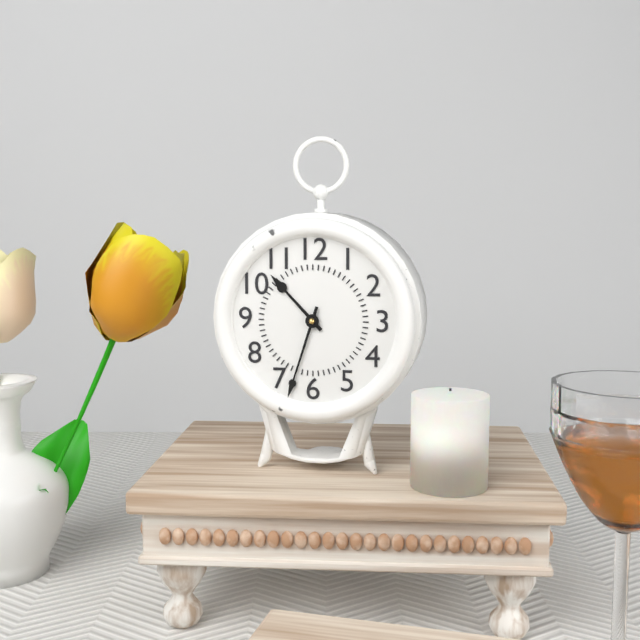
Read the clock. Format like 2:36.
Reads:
10:33
